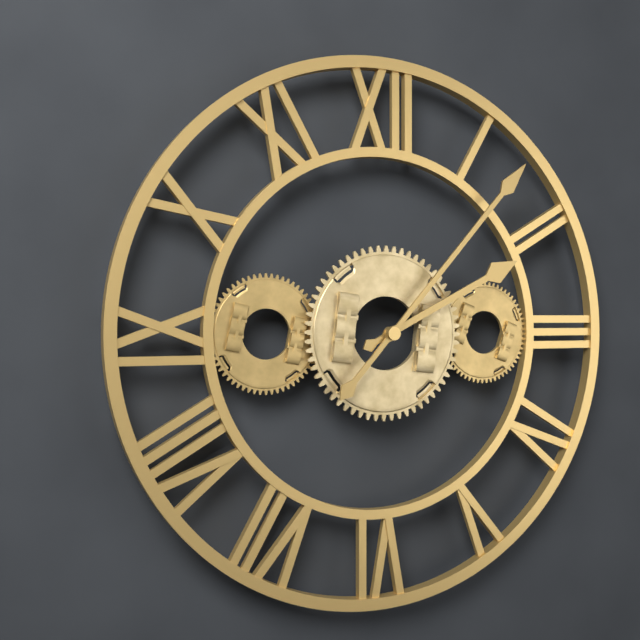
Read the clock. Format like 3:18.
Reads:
2:07
